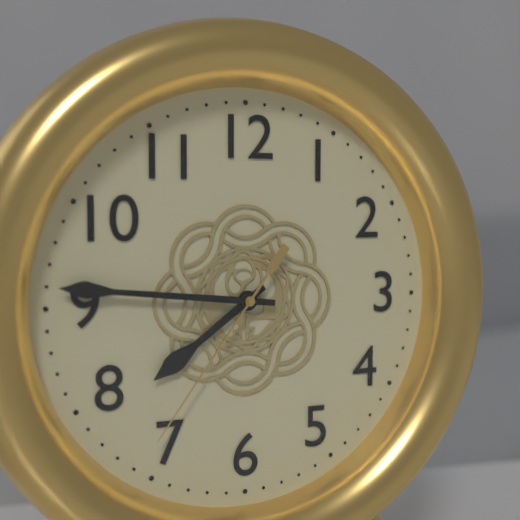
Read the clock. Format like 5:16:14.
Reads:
7:46:36
